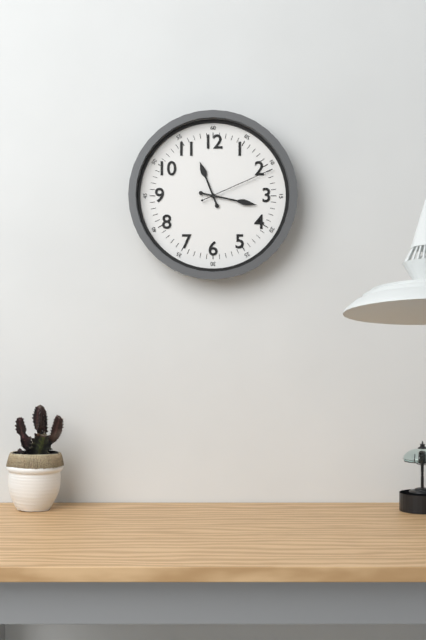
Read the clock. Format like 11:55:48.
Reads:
11:17:11
